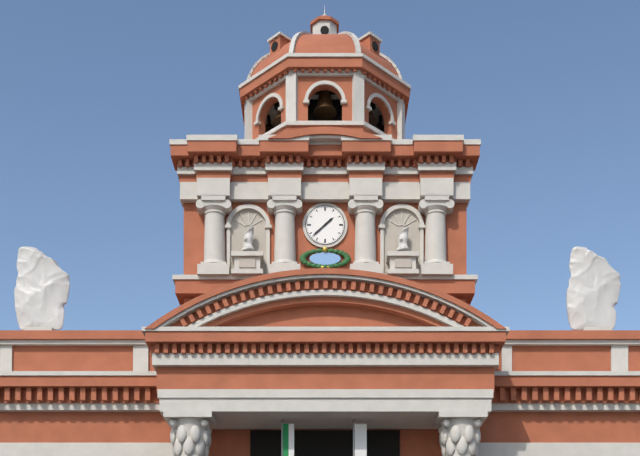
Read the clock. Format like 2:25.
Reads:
1:38
